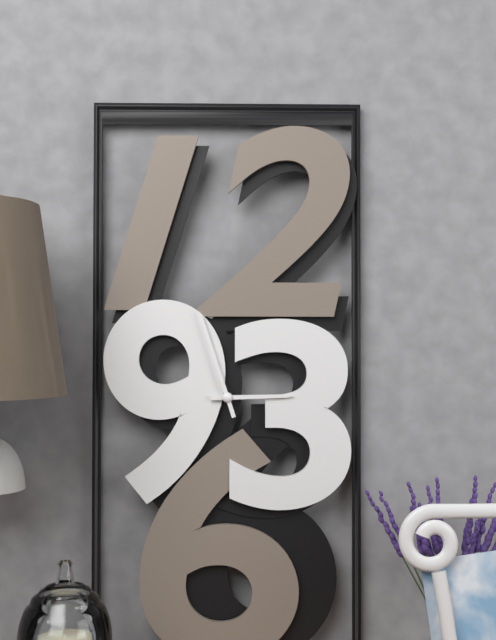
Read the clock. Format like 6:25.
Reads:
2:57
